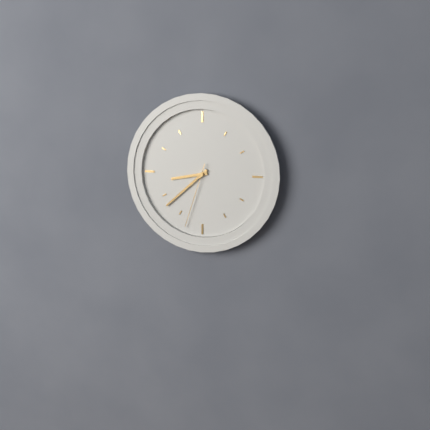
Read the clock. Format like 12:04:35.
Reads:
8:38:33
